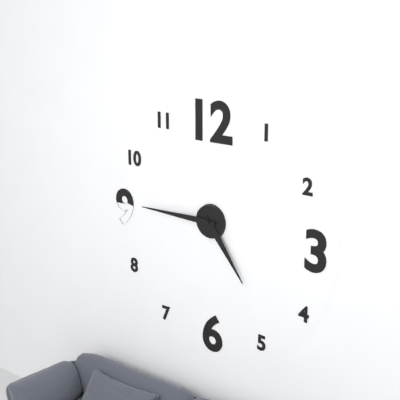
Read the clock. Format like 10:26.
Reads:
4:45
